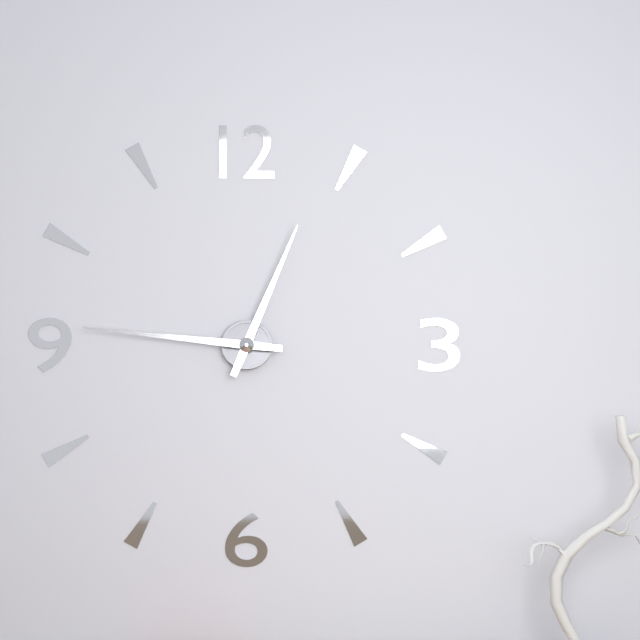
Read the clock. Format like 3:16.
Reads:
12:46
